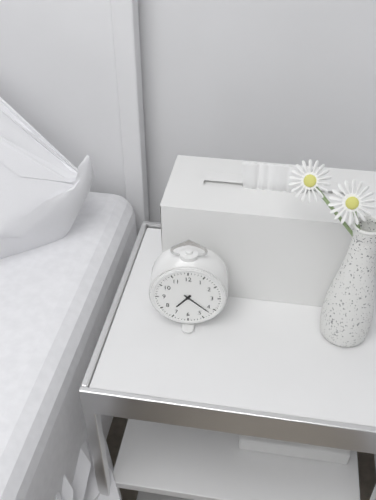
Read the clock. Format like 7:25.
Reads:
7:22
